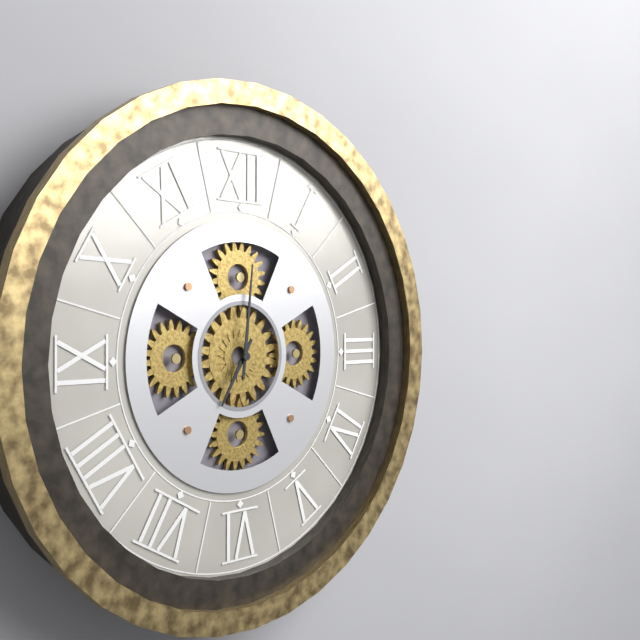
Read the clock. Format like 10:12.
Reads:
7:01
